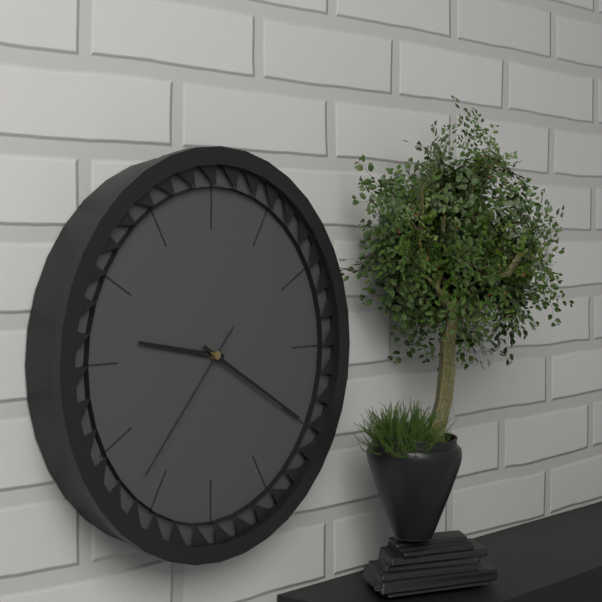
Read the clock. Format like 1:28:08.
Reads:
9:20:37
